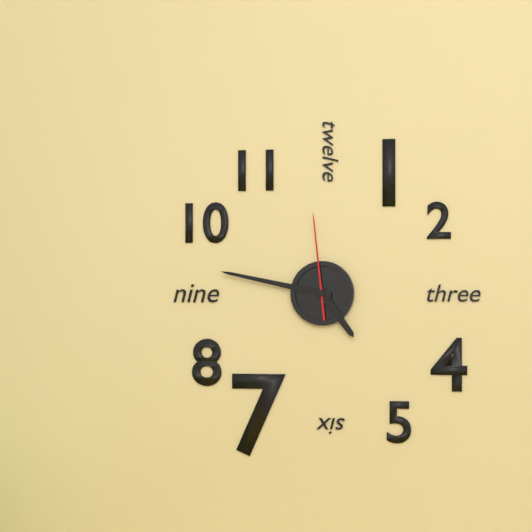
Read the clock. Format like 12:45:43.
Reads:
4:47:59
